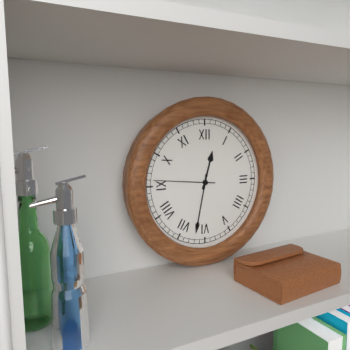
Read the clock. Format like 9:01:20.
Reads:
12:32:46
